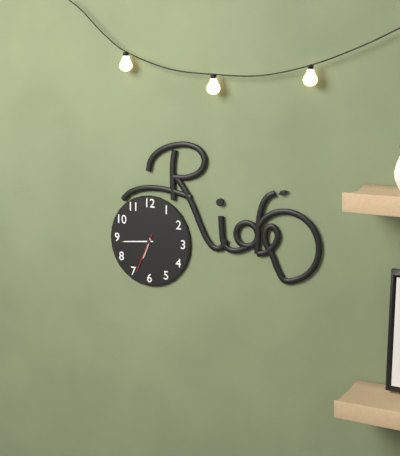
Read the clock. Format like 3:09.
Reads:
6:44
